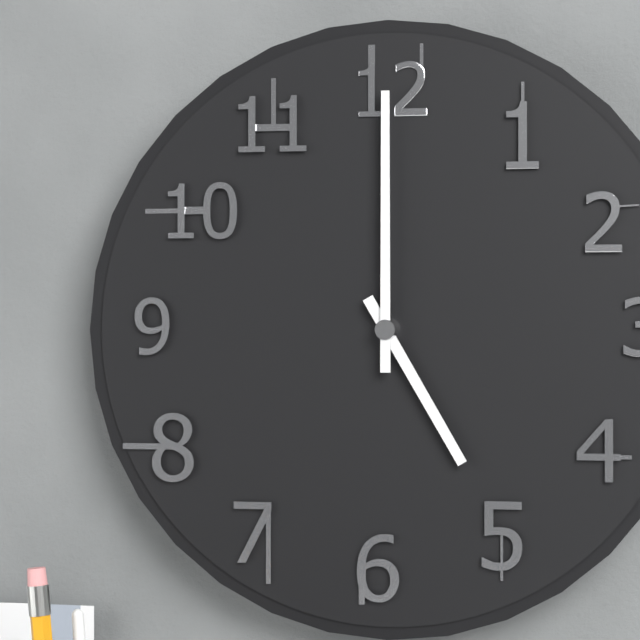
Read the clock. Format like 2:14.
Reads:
5:00
